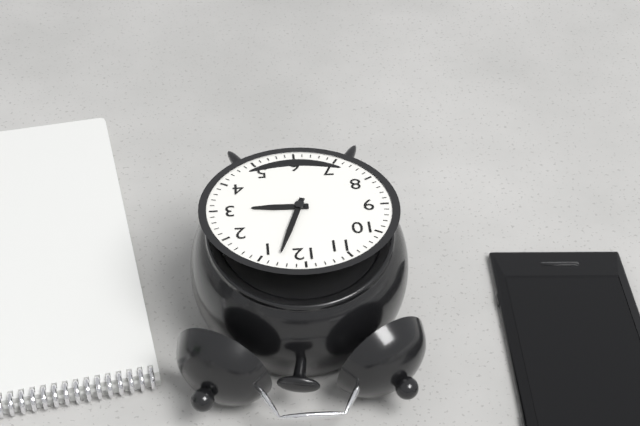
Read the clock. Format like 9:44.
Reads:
3:03
